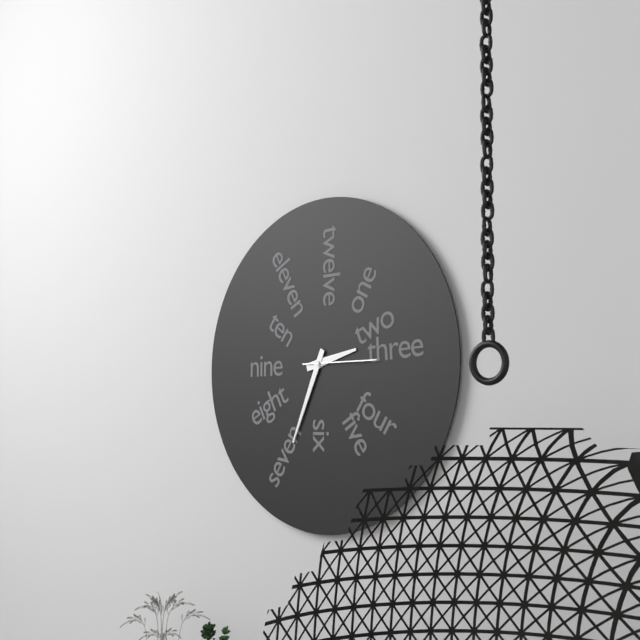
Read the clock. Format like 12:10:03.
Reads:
2:34:15
